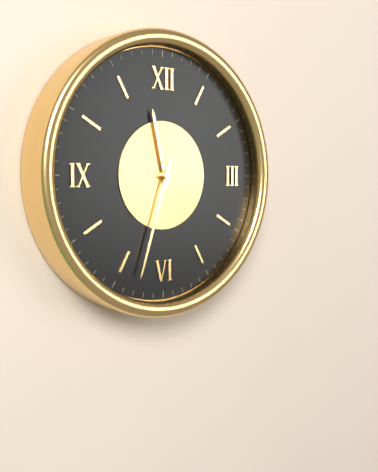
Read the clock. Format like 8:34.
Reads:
11:33
